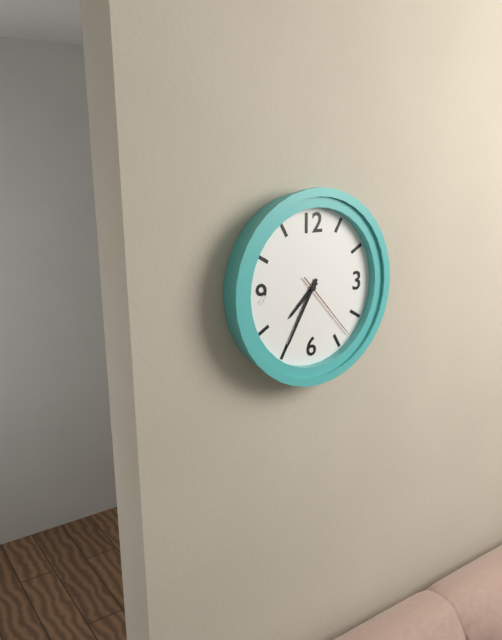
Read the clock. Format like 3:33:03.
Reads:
7:35:23
